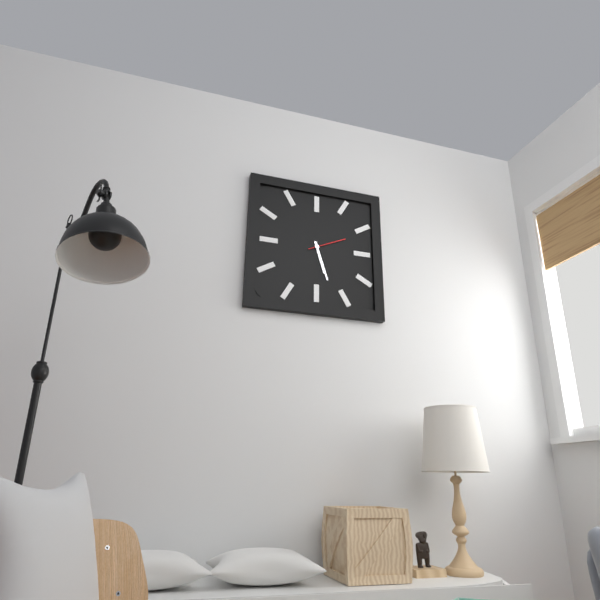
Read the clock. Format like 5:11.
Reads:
5:27
